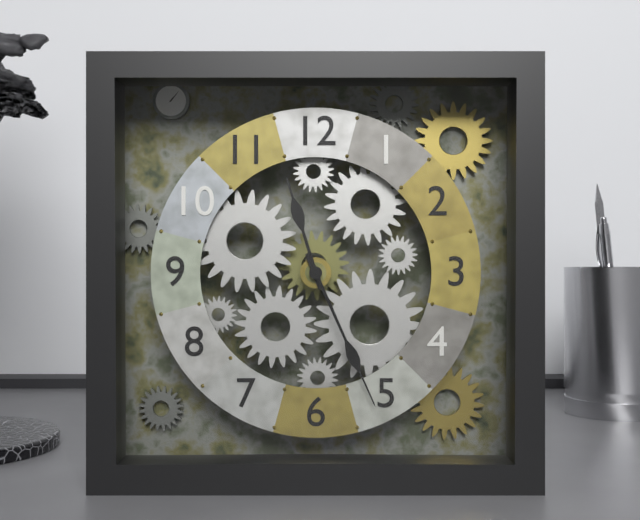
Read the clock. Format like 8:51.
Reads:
11:26
